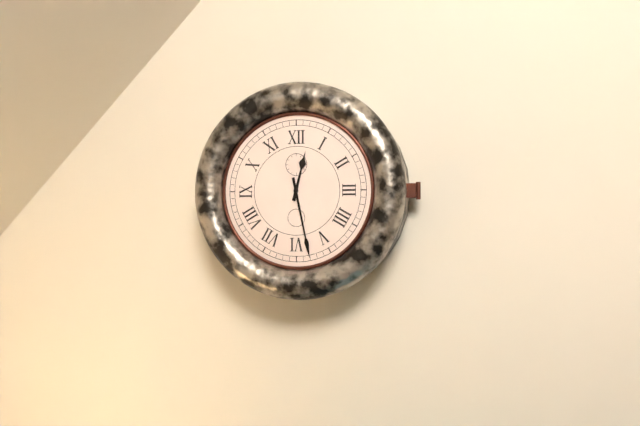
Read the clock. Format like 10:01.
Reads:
12:28
